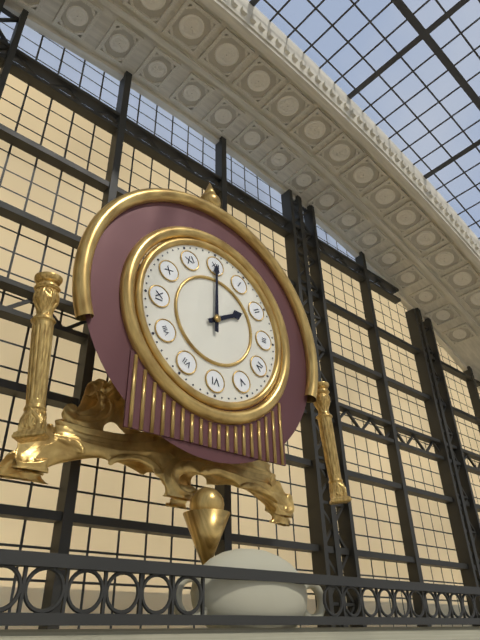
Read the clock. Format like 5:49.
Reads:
2:00
